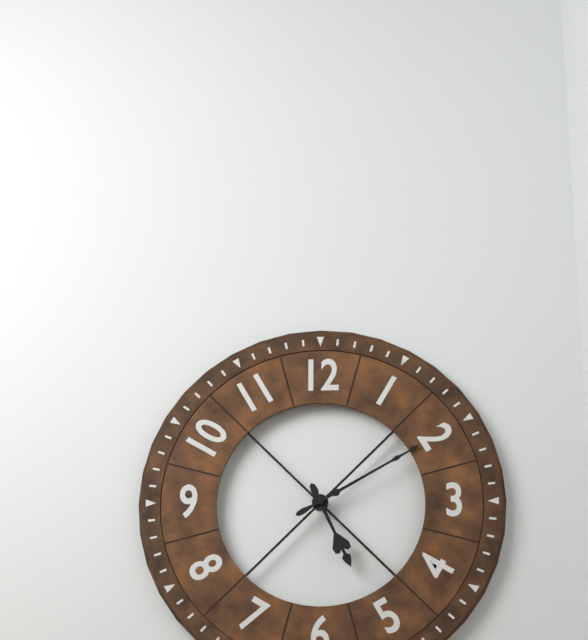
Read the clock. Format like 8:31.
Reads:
5:10
